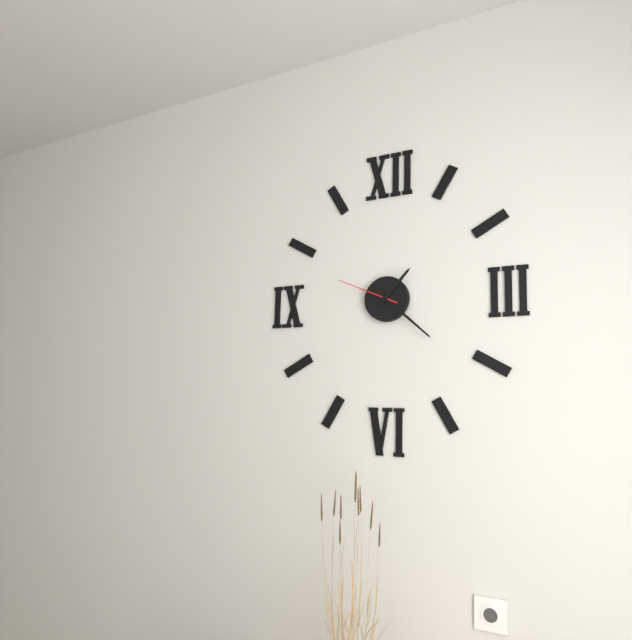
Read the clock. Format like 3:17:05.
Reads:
1:22:49
